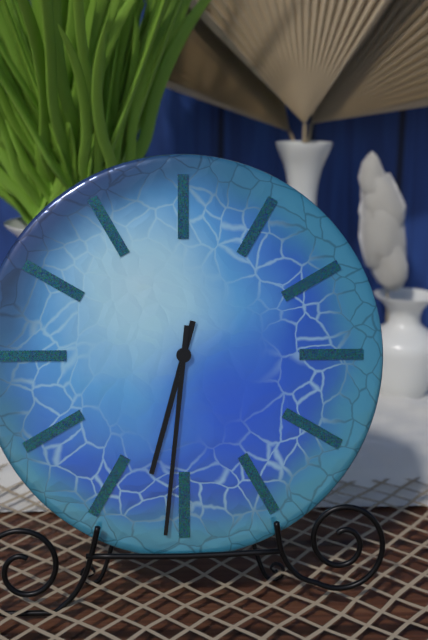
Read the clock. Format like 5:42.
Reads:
6:31
